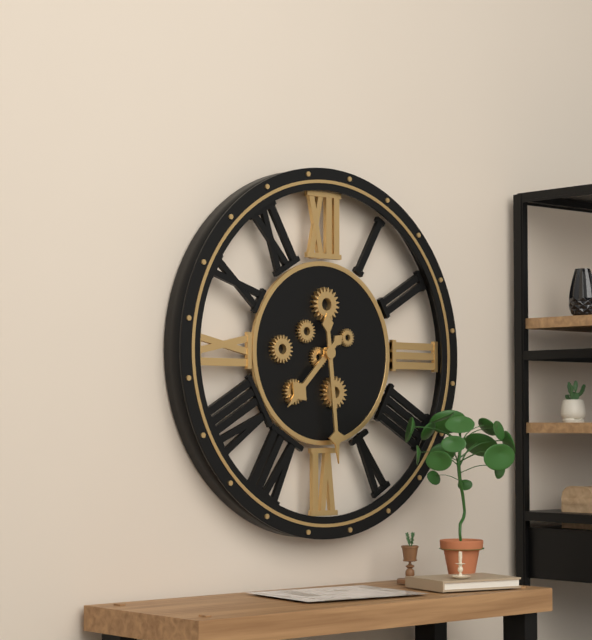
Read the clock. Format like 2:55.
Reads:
7:29
